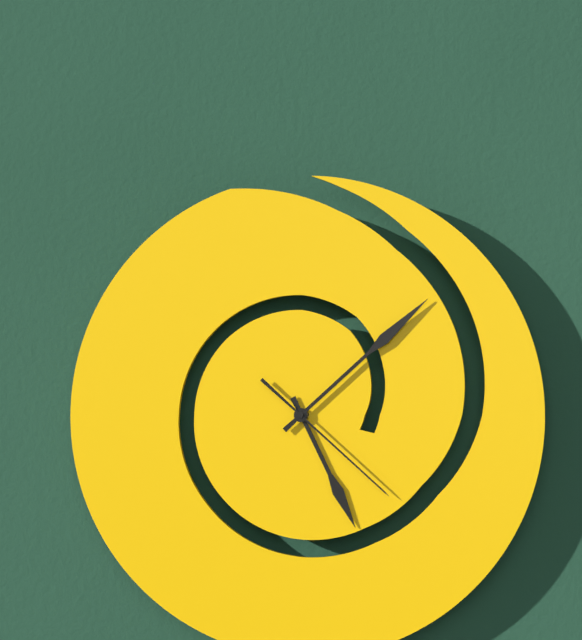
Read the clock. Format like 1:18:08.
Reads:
5:08:22
